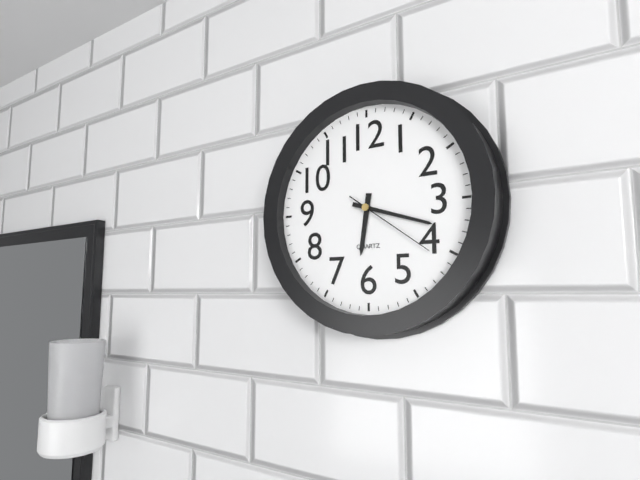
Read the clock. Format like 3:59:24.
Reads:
6:18:21
